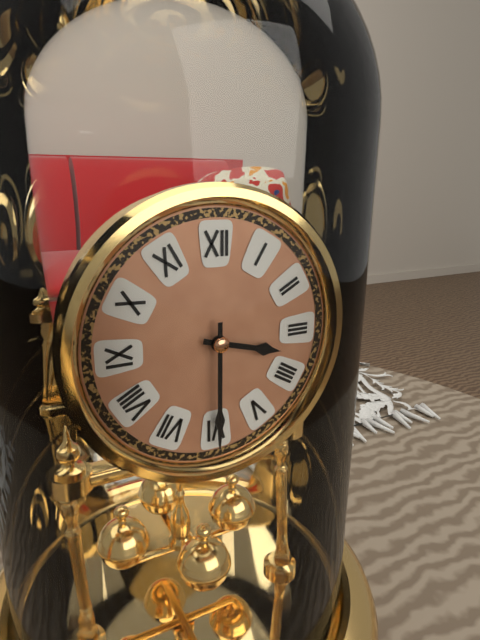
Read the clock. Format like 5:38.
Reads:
3:30
